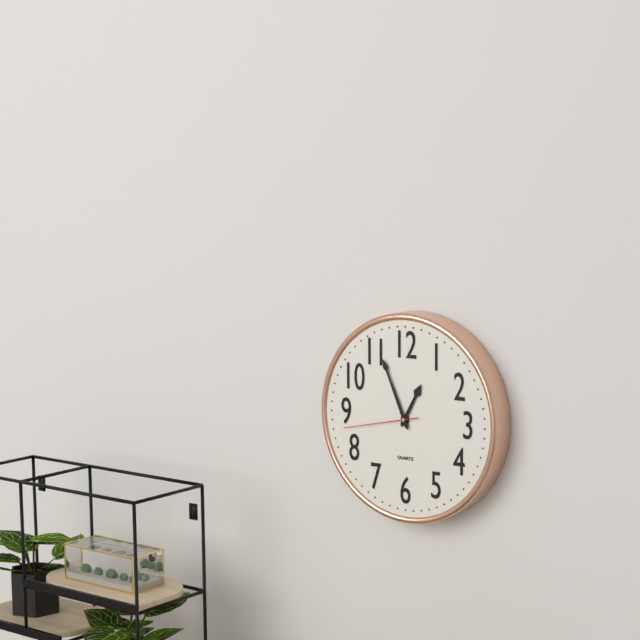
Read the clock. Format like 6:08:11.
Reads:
12:56:43
